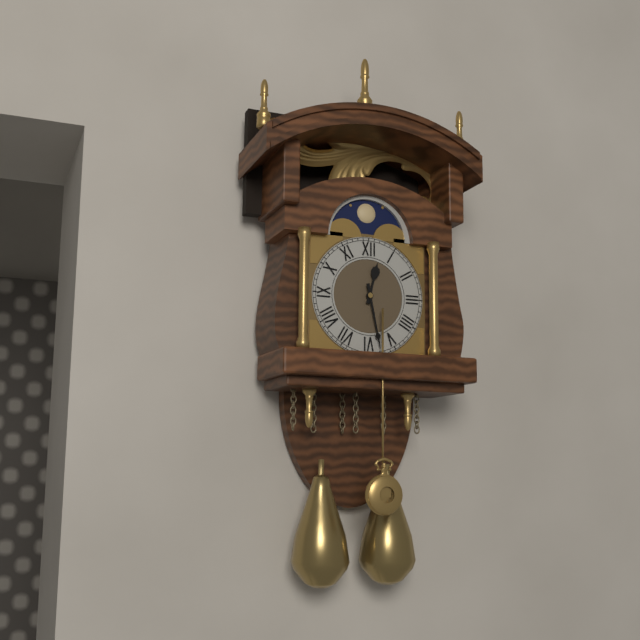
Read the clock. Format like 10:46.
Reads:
12:28
